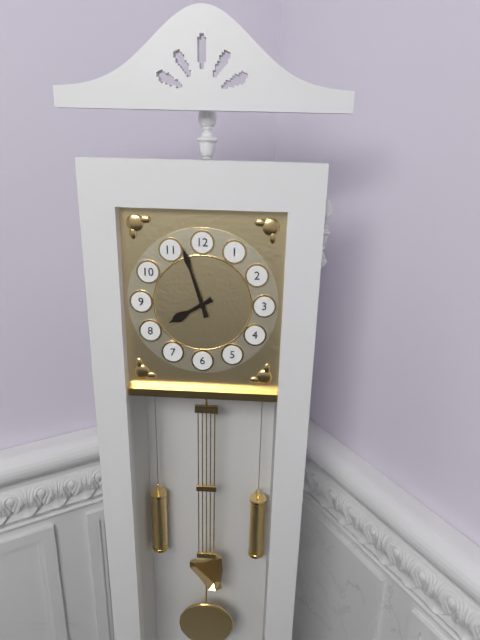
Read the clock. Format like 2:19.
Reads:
7:57
